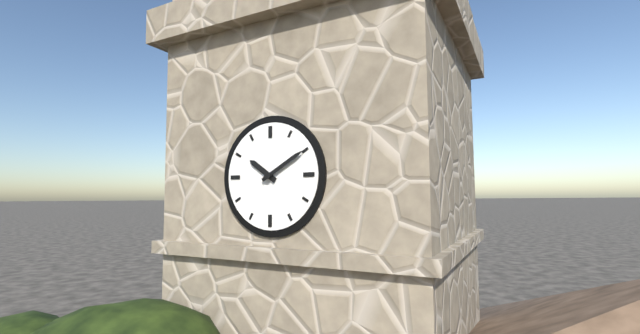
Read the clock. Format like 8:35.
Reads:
10:10
